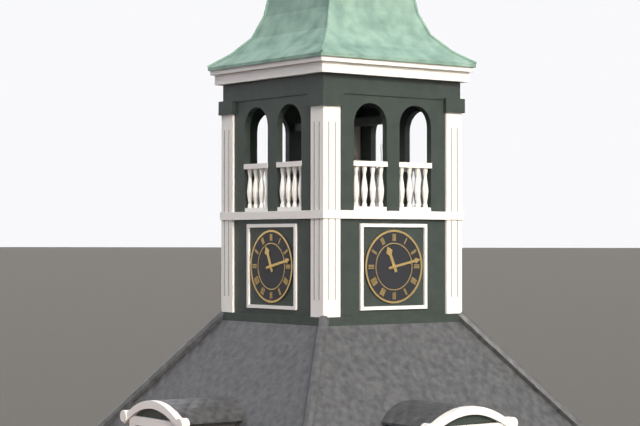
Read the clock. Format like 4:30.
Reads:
11:13
